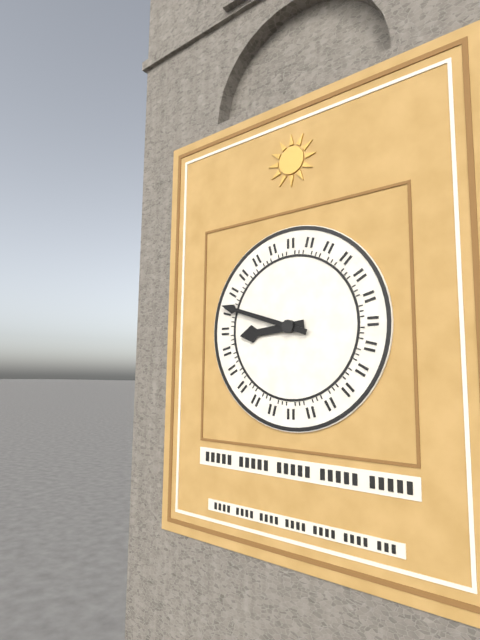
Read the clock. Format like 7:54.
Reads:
8:48
